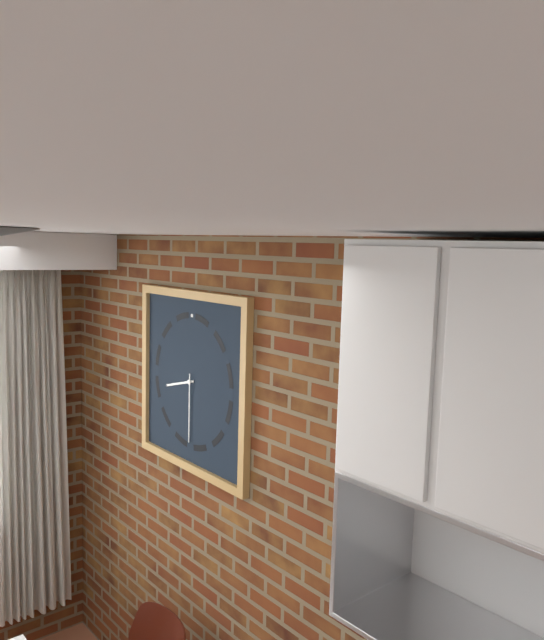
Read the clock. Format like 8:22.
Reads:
8:30
